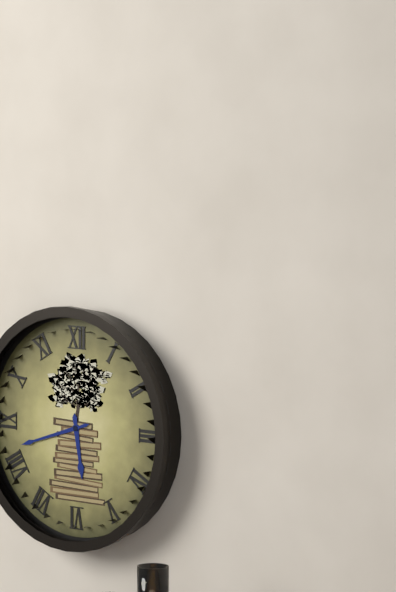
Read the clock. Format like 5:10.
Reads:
5:42
